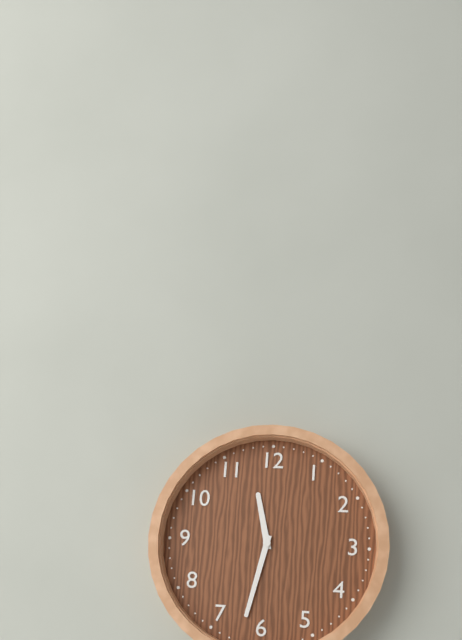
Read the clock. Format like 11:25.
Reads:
11:32
